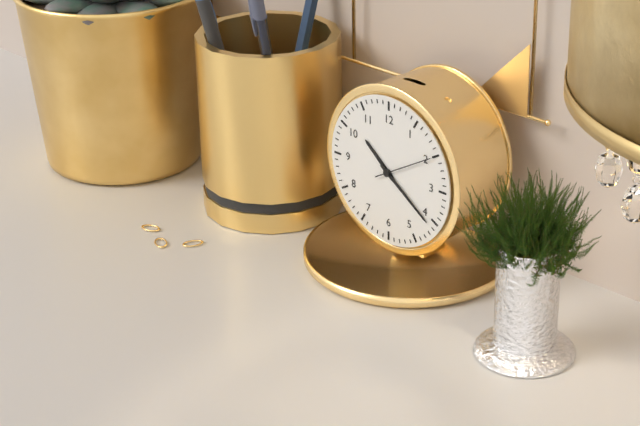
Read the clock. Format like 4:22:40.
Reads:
10:21:10
